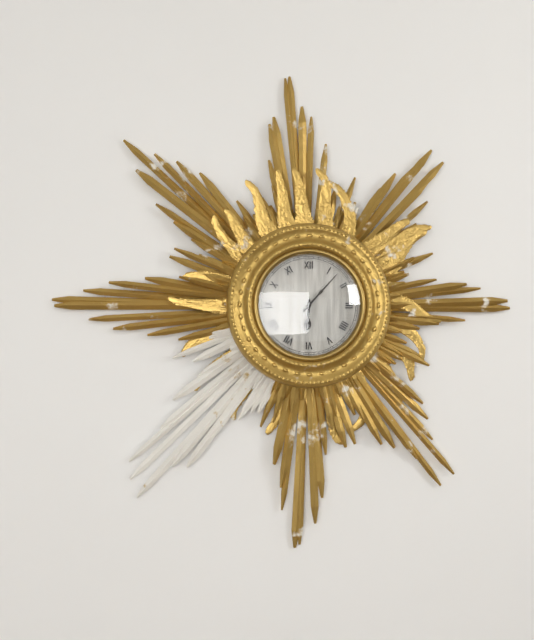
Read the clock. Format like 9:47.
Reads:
6:07
